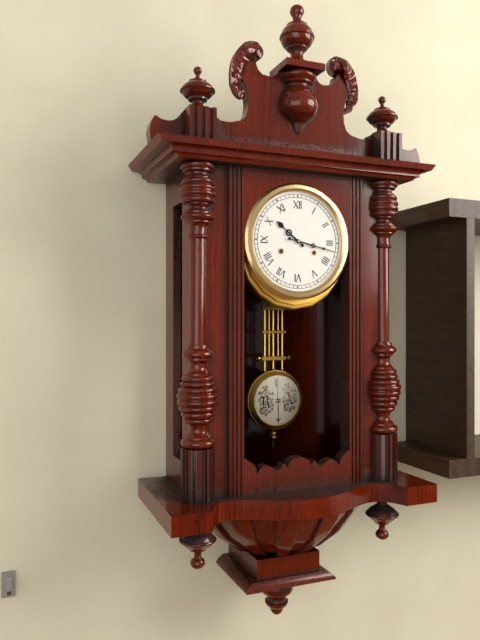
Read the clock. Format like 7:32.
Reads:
10:17
